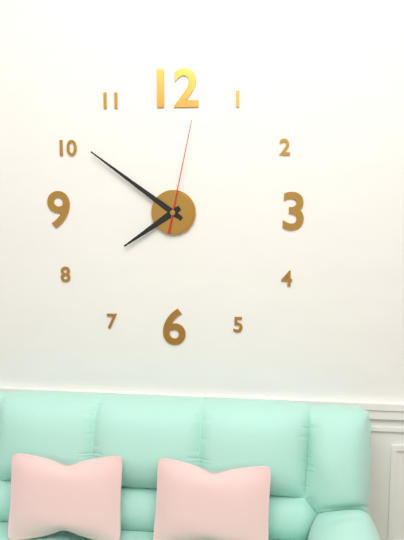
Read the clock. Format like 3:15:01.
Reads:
7:51:02
